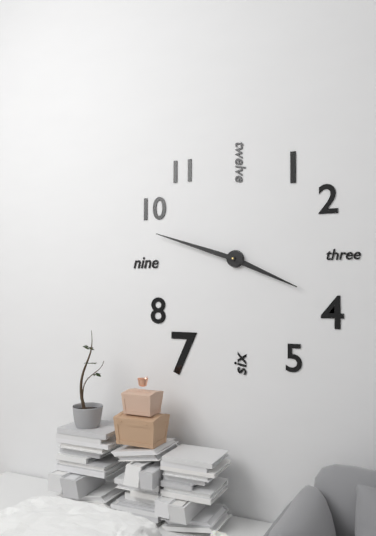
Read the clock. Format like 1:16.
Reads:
3:48
